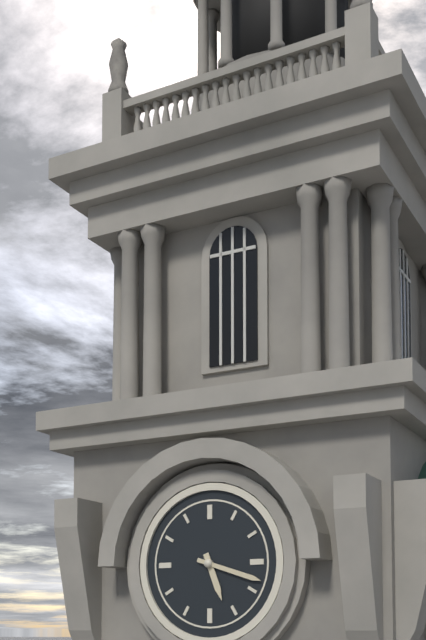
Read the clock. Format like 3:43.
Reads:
5:18
